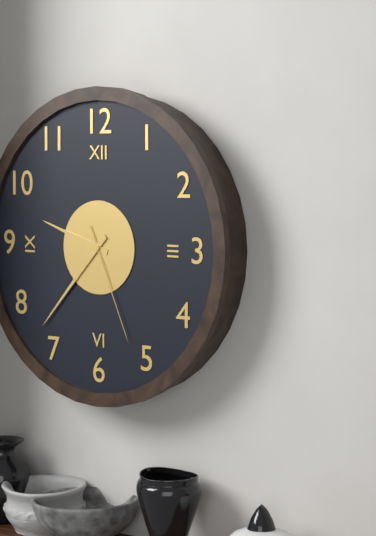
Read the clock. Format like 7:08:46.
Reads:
9:37:26
